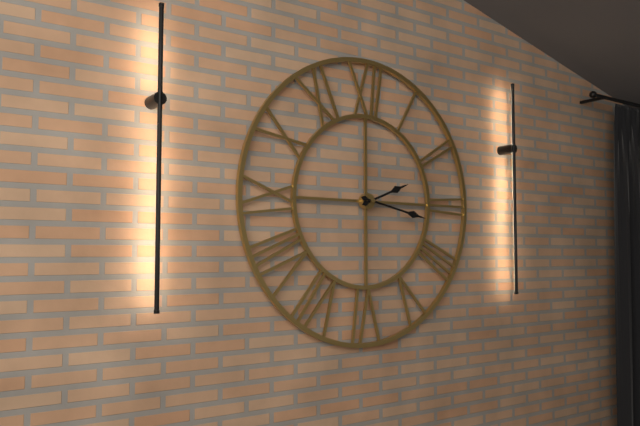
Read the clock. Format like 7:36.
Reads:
2:17
